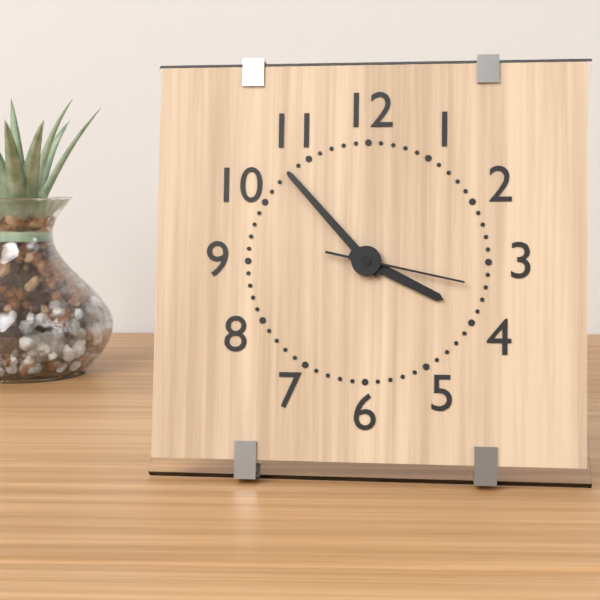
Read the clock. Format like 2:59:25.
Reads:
3:53:17
